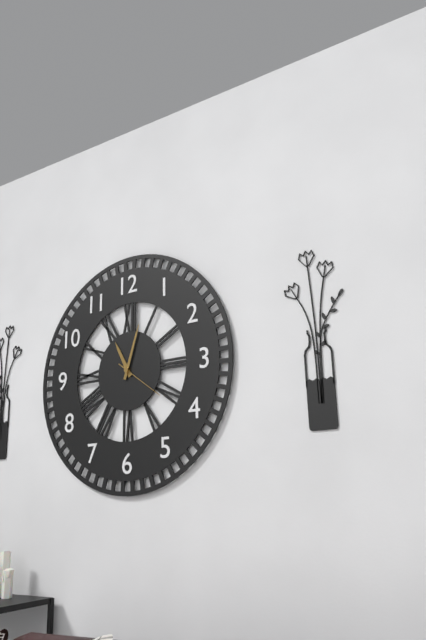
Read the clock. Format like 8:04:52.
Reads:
11:03:21
